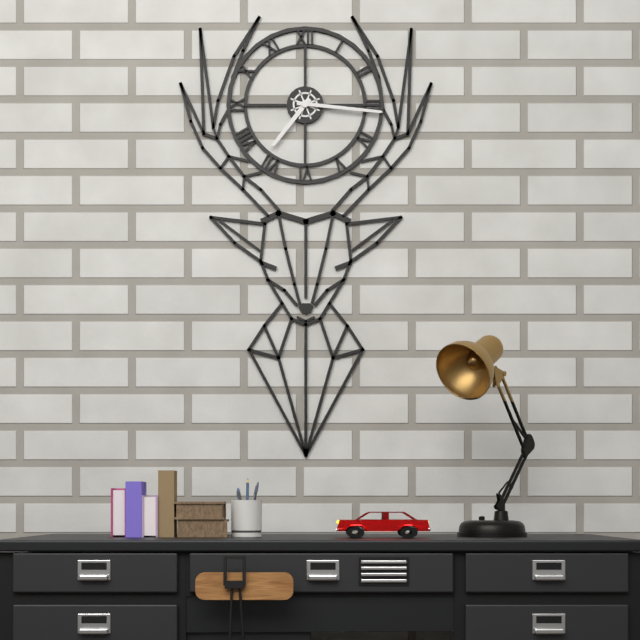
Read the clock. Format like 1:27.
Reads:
7:16
